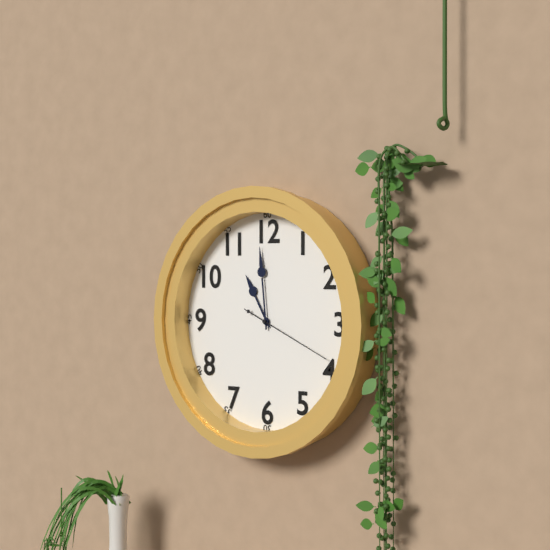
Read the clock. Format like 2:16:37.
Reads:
10:59:19
